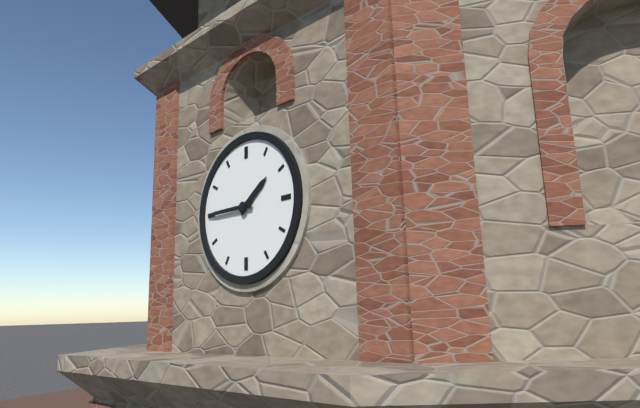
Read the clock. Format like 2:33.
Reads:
1:45
